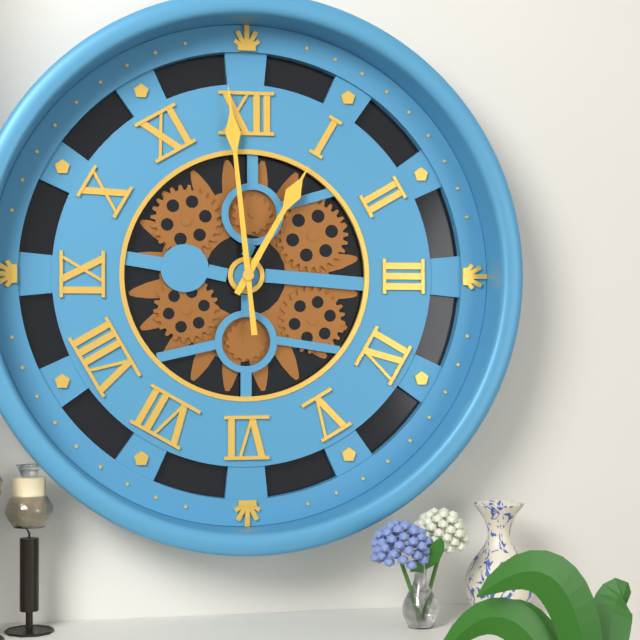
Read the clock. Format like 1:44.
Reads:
12:59
